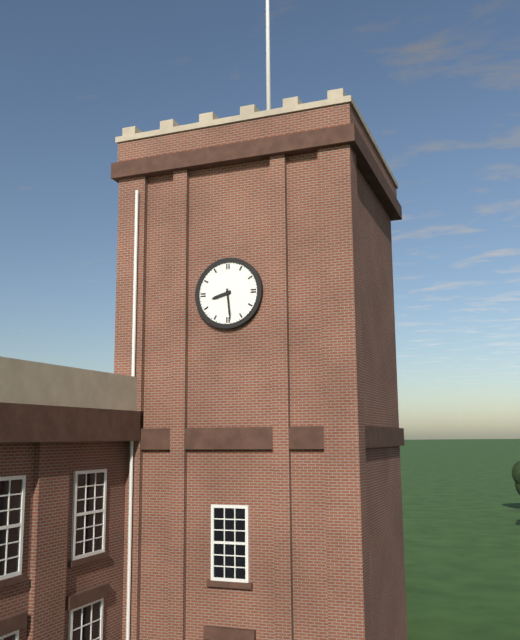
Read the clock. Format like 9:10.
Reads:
8:29
